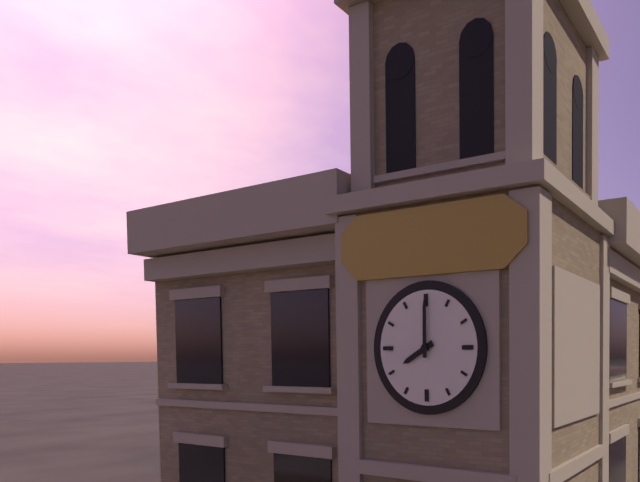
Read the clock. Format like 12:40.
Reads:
8:00
